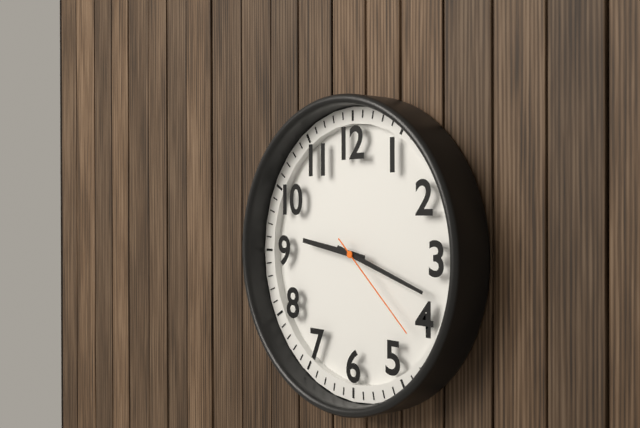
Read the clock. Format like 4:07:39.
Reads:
9:18:22
